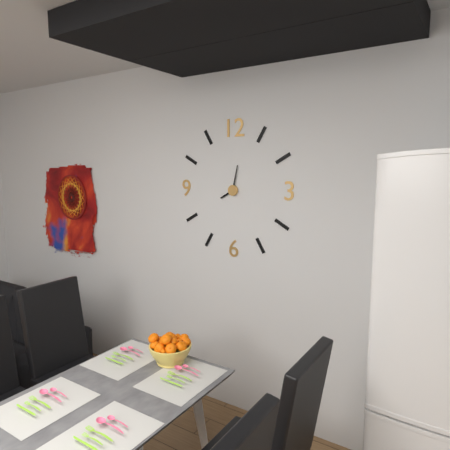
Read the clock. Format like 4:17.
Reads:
8:02
